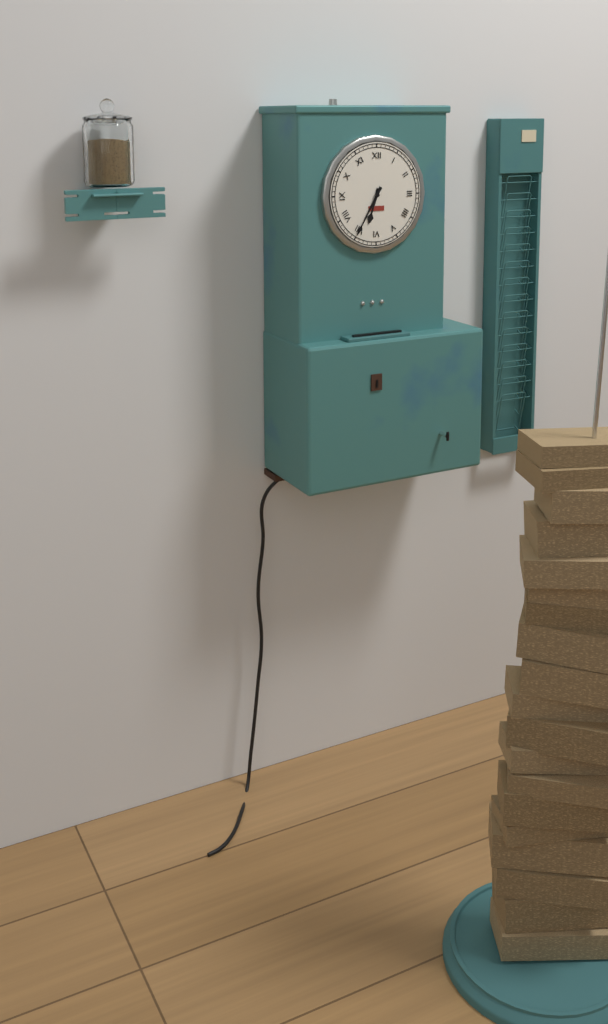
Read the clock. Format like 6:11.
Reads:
6:35
